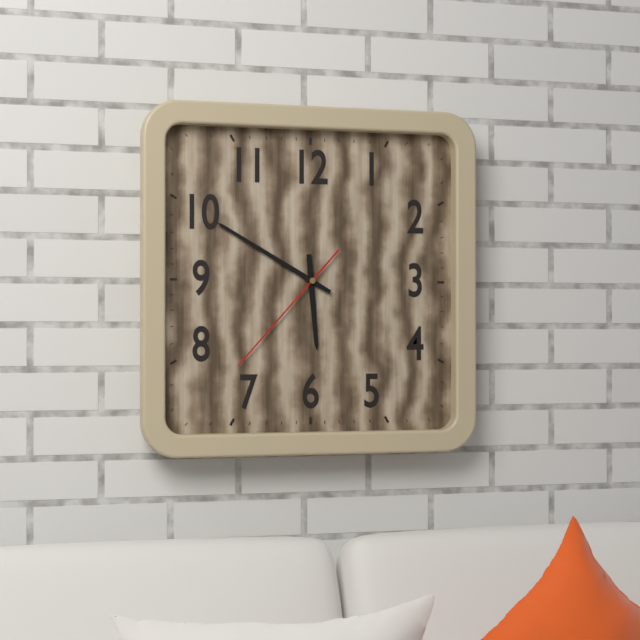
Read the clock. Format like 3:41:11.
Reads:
5:50:37
